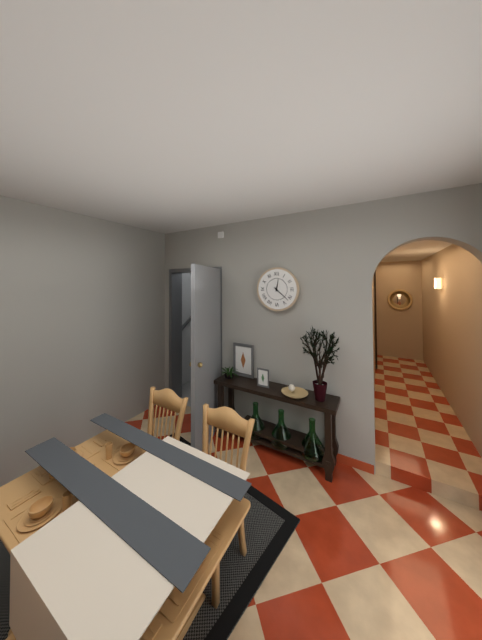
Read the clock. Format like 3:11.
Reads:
12:22
